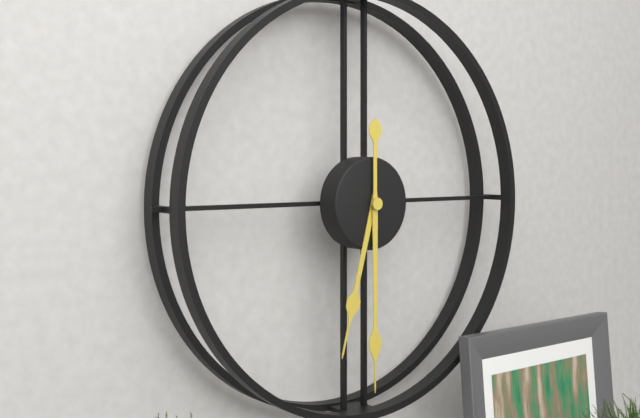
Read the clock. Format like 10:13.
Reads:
6:30
